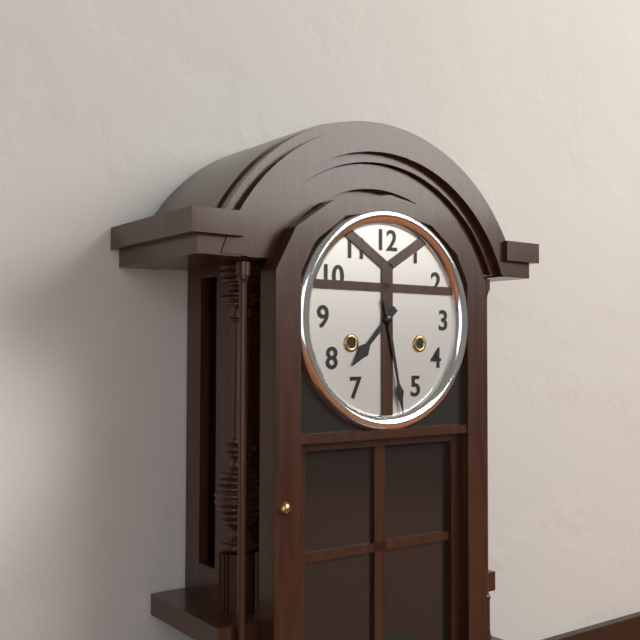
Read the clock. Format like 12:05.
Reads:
7:28
